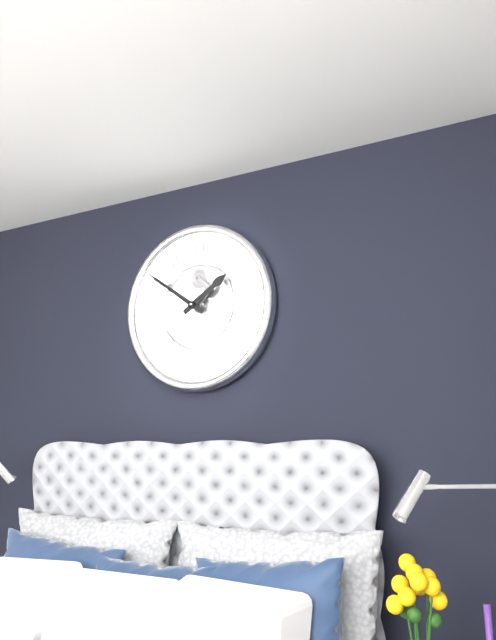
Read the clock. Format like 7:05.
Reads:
1:51
